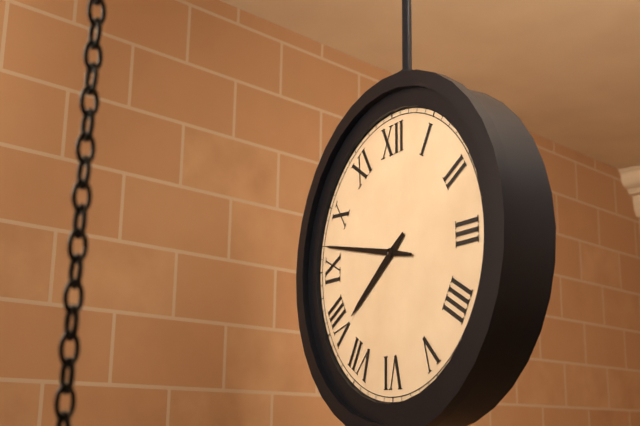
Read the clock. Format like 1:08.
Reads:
7:47
